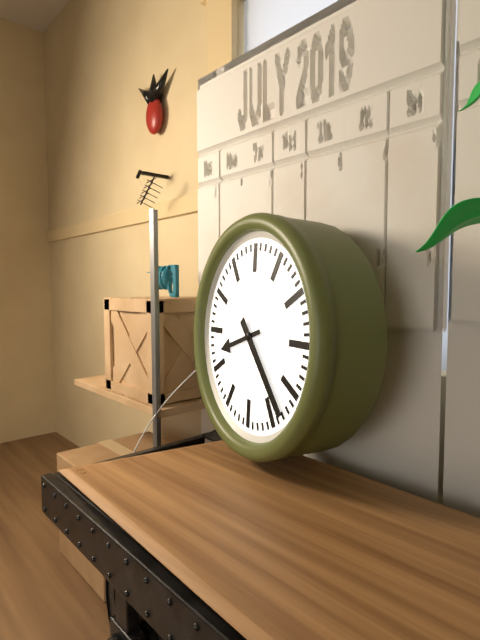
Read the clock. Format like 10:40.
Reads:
8:23
